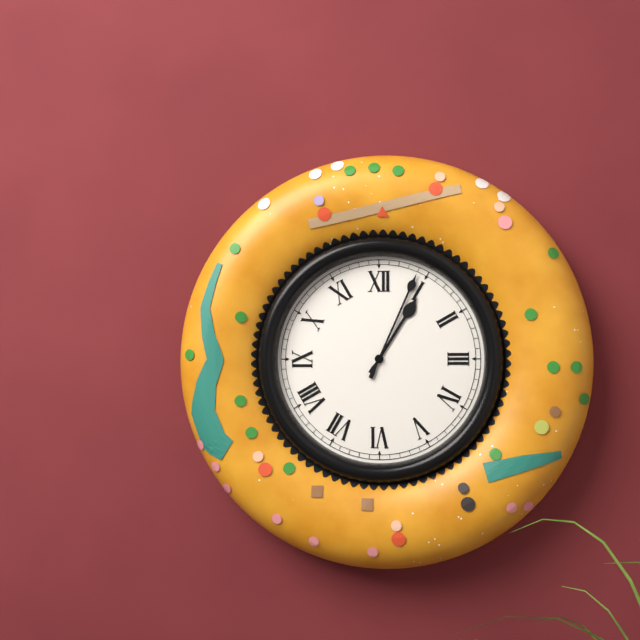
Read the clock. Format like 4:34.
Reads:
1:04
